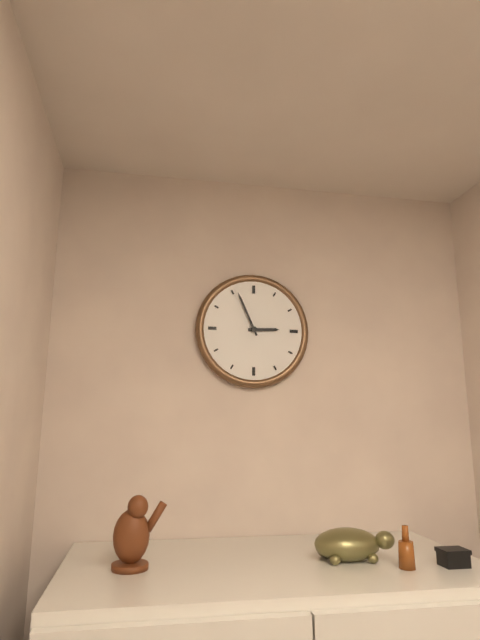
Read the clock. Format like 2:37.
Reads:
2:56
